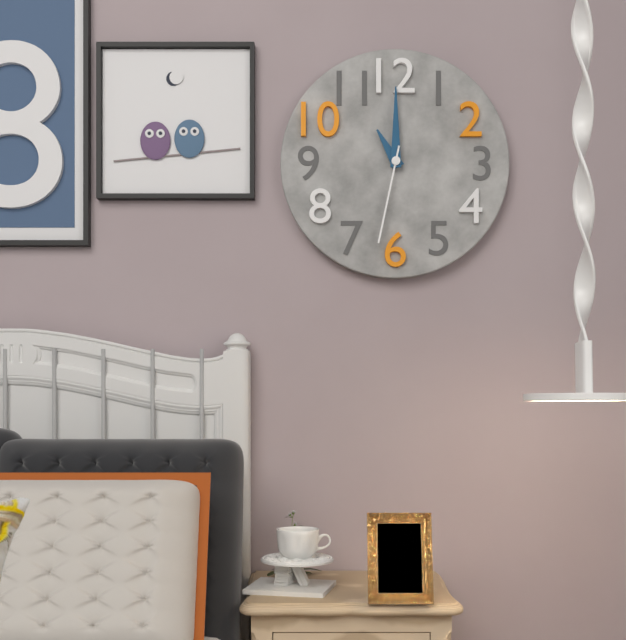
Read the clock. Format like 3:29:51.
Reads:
11:00:32
